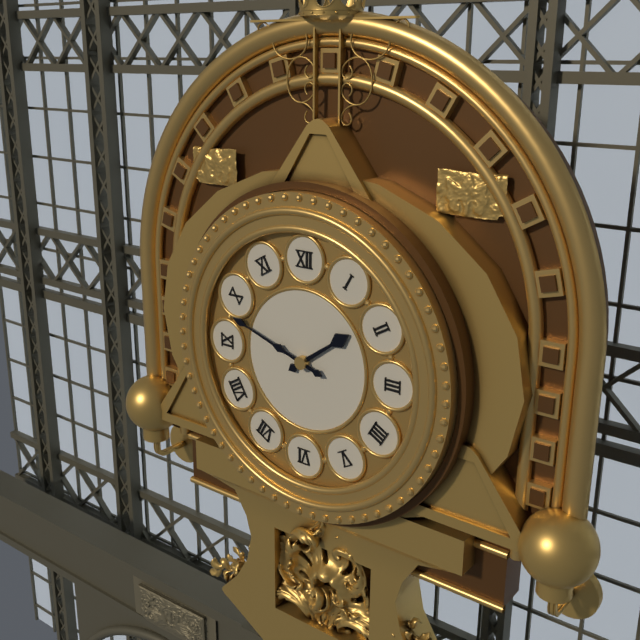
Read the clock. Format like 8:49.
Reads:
1:48
